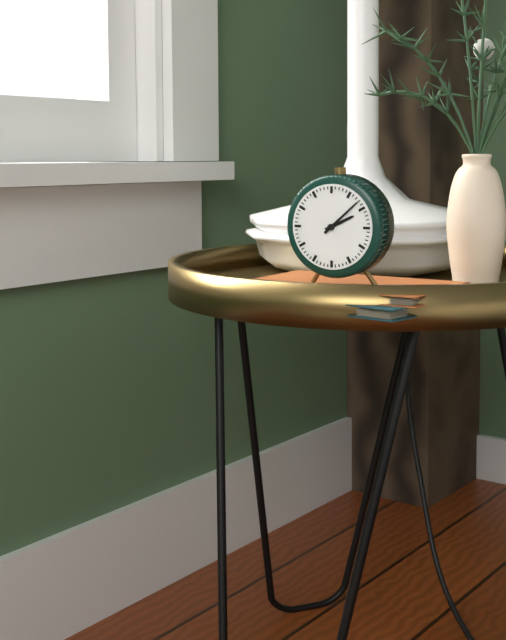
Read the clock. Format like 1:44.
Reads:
2:08
